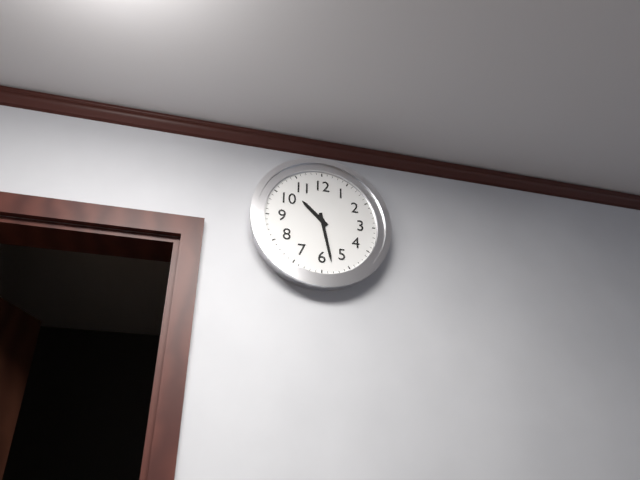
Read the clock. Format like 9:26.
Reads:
10:28
